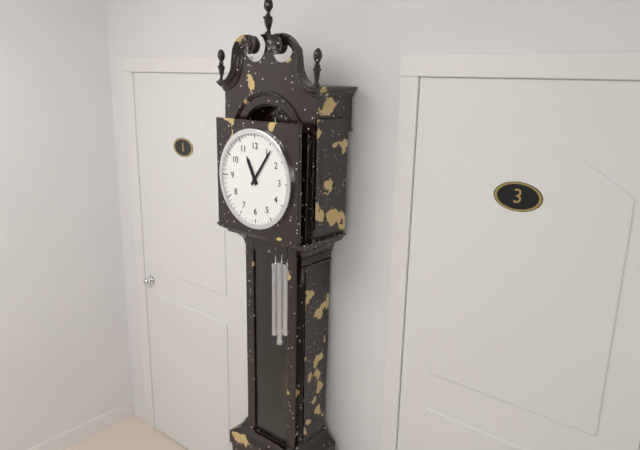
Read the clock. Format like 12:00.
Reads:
11:06
